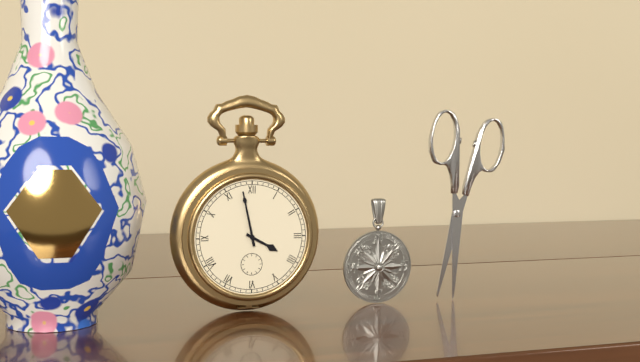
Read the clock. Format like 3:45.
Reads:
3:58
